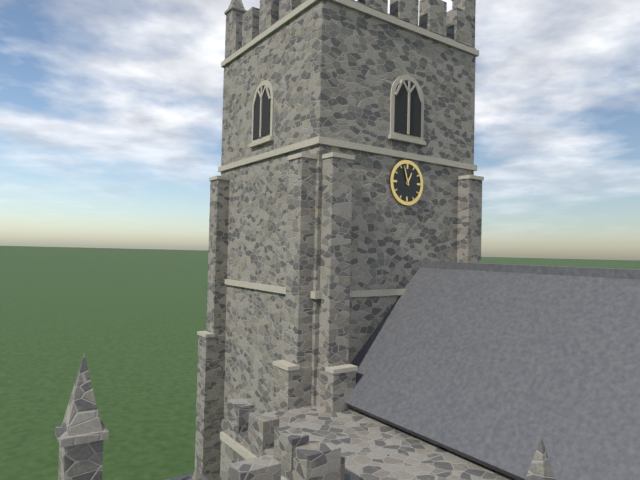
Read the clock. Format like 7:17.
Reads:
12:57
